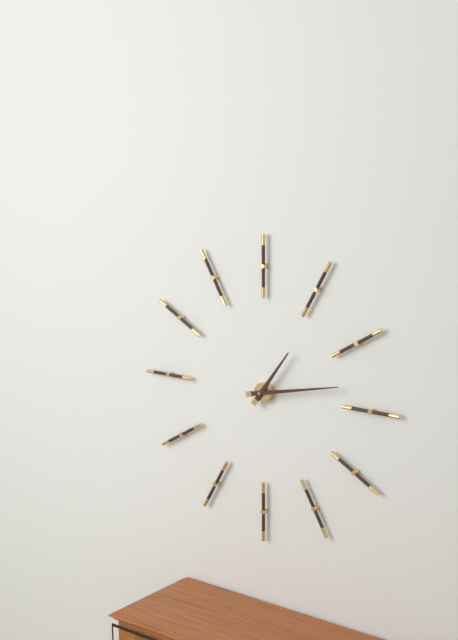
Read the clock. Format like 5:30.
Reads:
1:13
